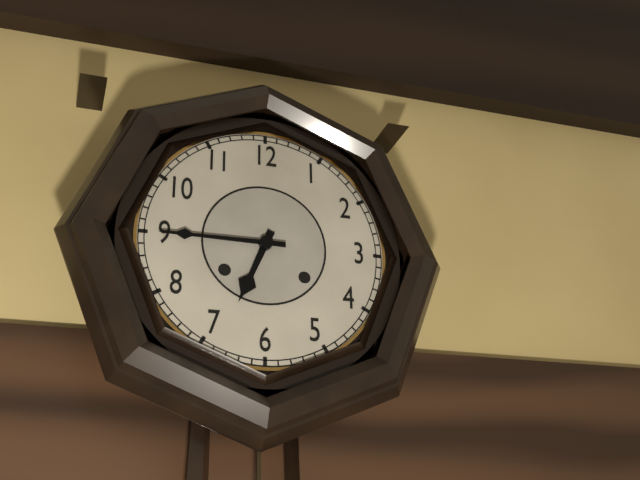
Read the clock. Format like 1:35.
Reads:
6:45
